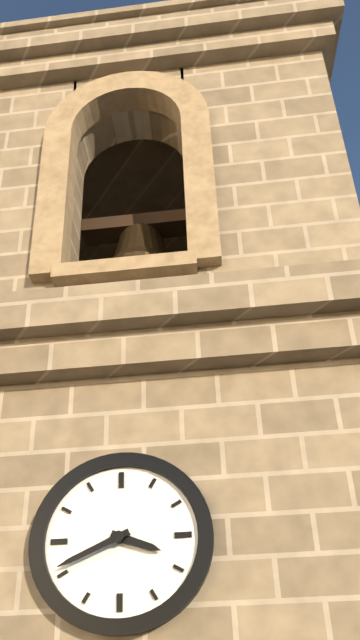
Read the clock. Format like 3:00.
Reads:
3:41
